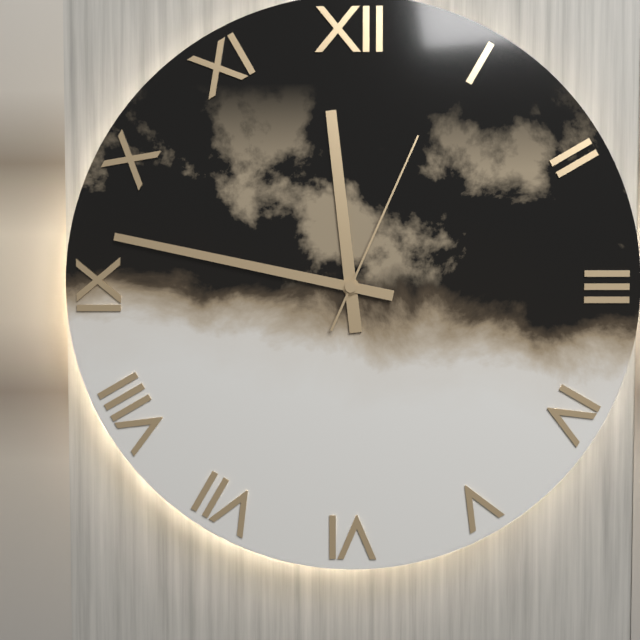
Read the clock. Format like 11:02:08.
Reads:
11:47:04
